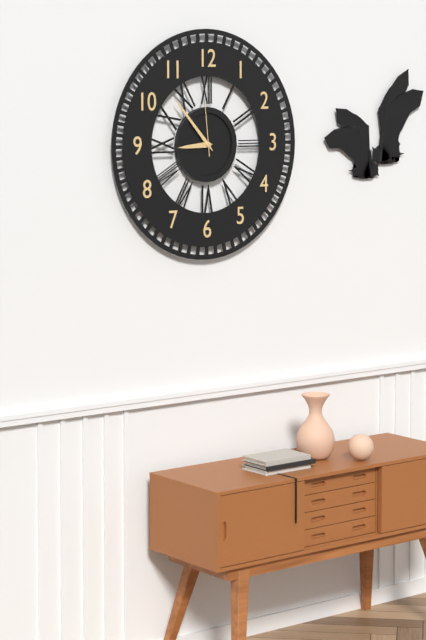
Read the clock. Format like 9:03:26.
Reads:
8:53:59
